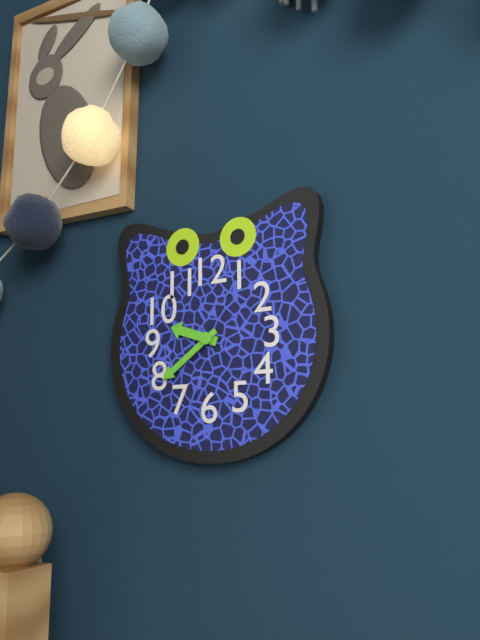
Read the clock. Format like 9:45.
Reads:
9:39
